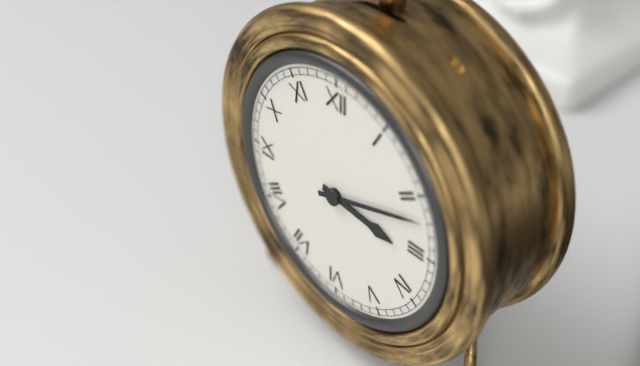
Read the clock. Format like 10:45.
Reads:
3:12
